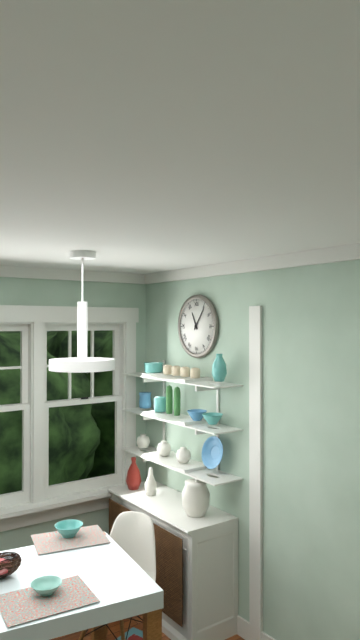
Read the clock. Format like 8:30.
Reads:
11:06
